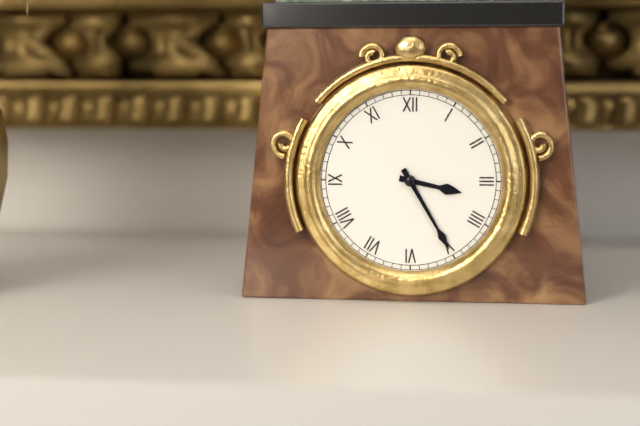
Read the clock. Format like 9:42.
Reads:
3:25
